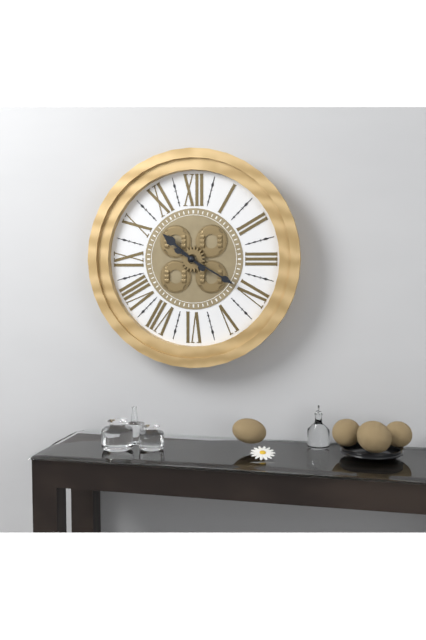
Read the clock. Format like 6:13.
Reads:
10:20
